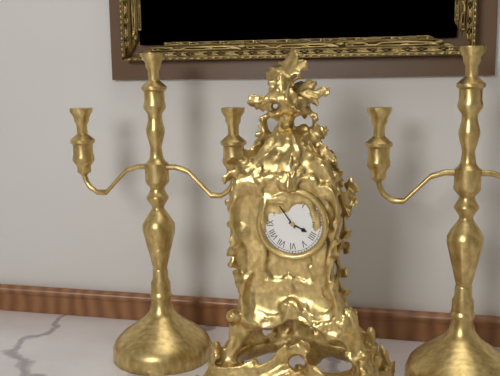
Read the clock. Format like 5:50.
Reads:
3:54
